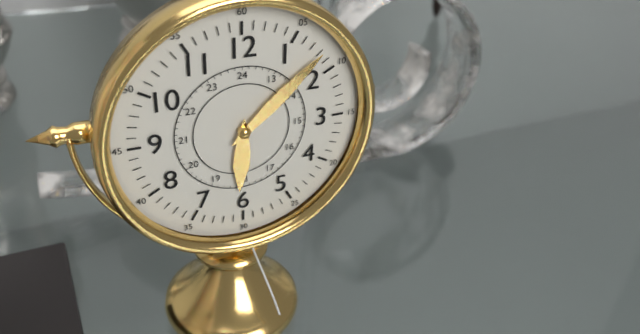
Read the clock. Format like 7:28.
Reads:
6:08
